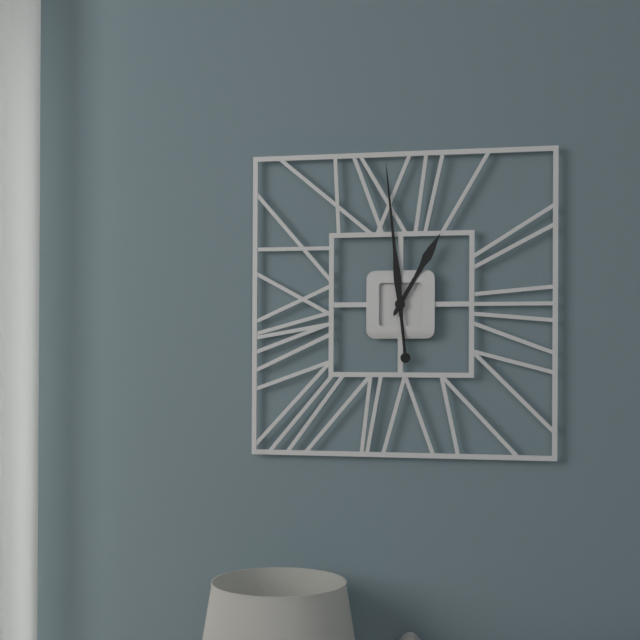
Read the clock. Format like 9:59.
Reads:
12:59
